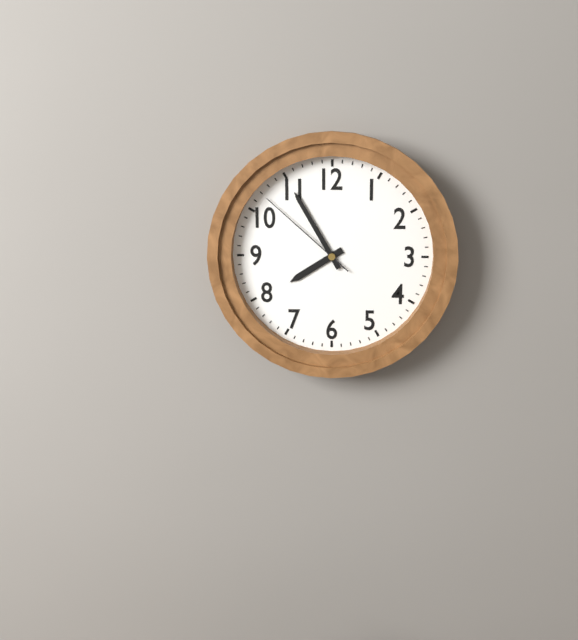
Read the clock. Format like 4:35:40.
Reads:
7:55:52
